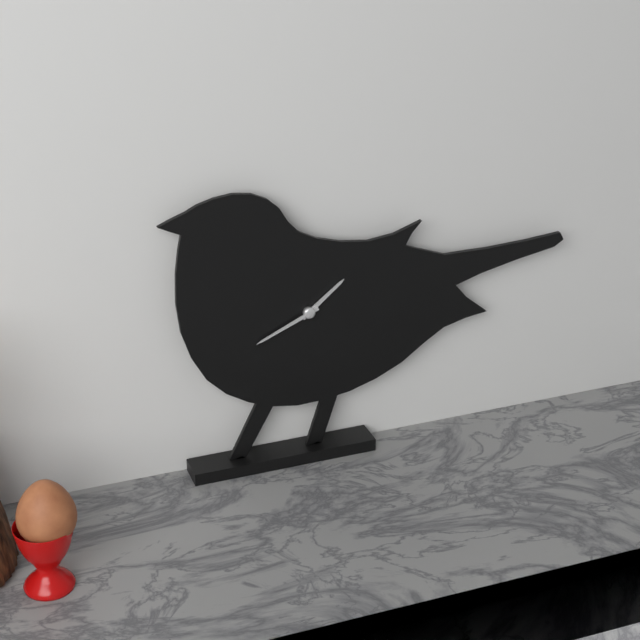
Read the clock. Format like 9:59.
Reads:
1:41
